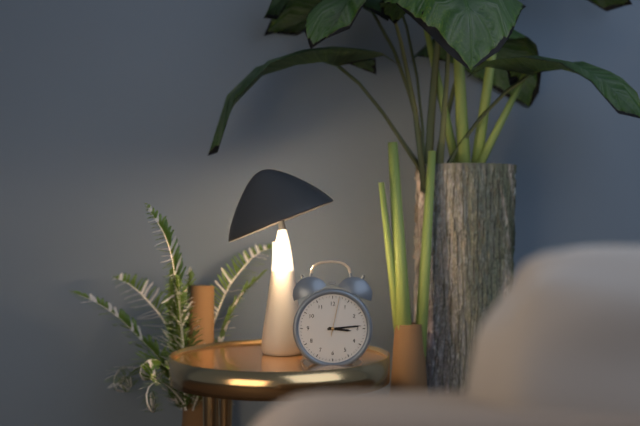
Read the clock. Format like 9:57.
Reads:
3:14
